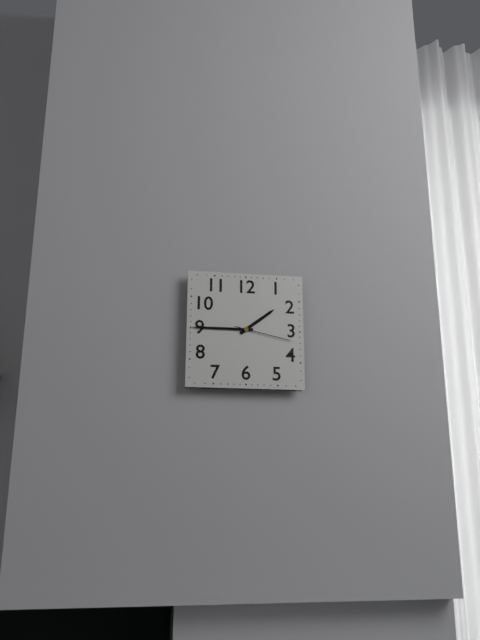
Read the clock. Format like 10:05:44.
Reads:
1:45:17
